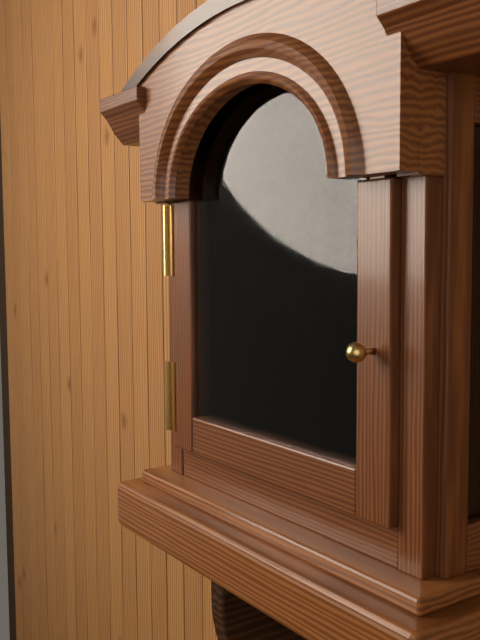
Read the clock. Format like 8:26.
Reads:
8:23
